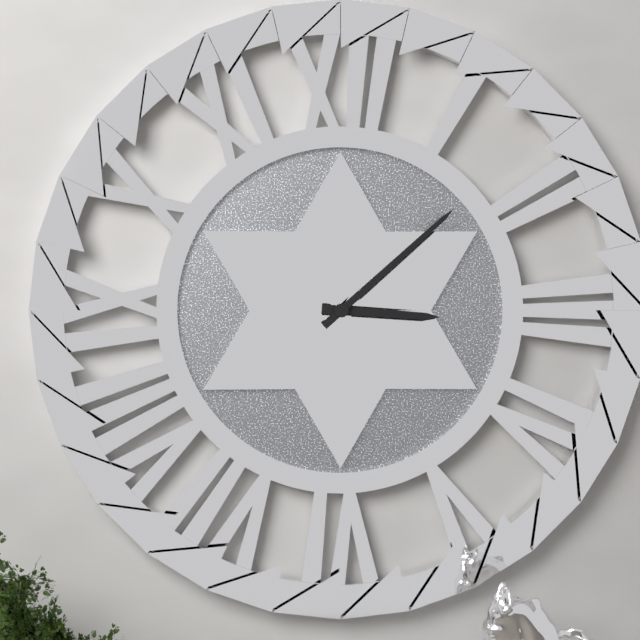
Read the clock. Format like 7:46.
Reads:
3:08
